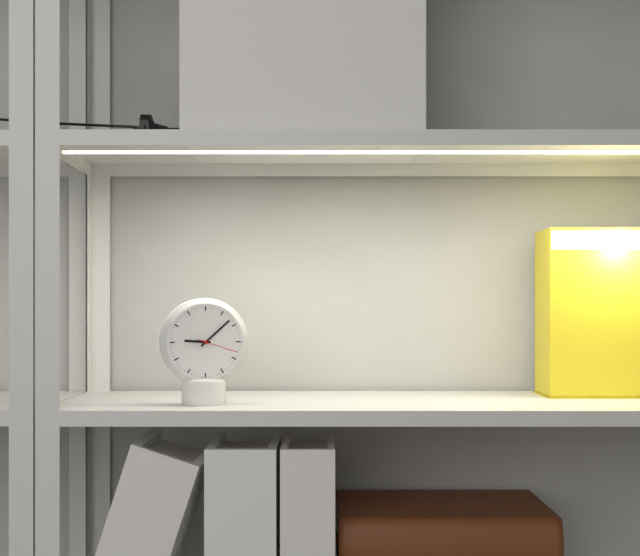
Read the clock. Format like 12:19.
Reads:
9:08
